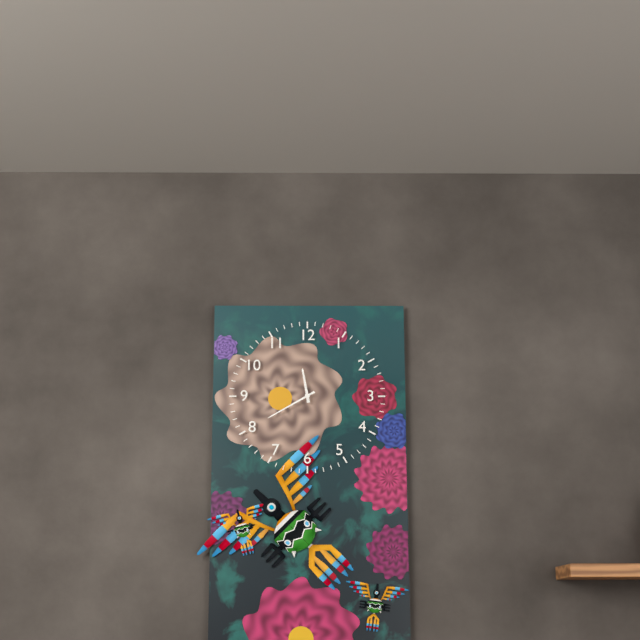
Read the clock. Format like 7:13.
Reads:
11:40
